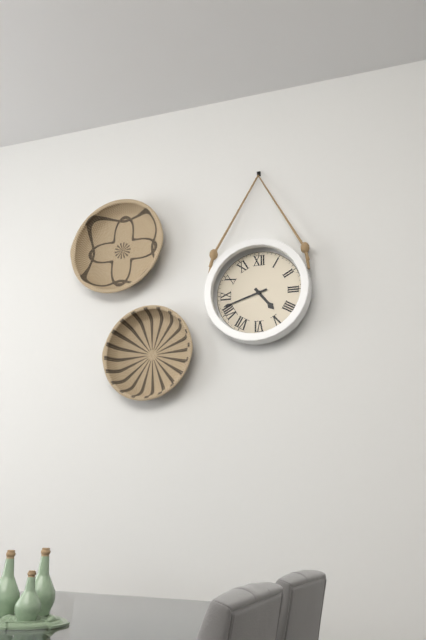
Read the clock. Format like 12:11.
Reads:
4:42
